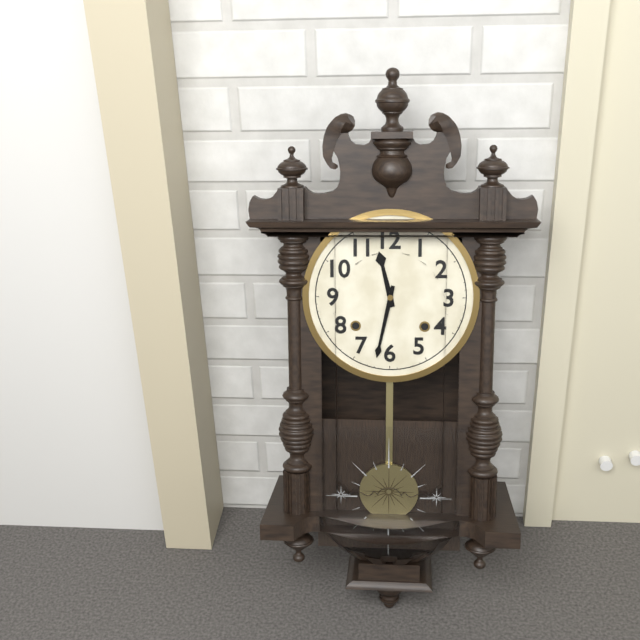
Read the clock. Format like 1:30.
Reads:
11:32
